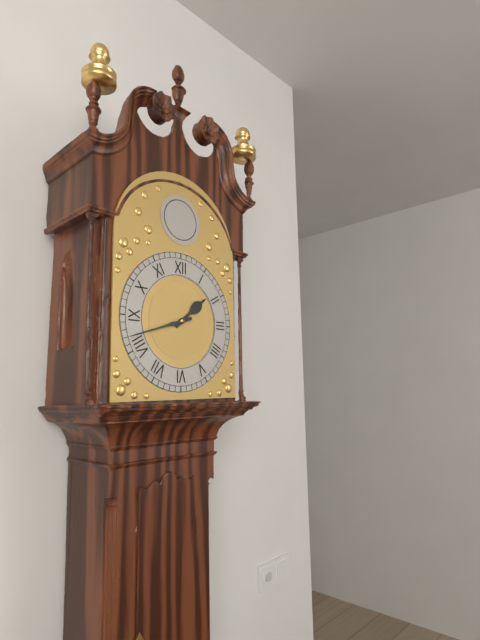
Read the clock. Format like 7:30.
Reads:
1:42
